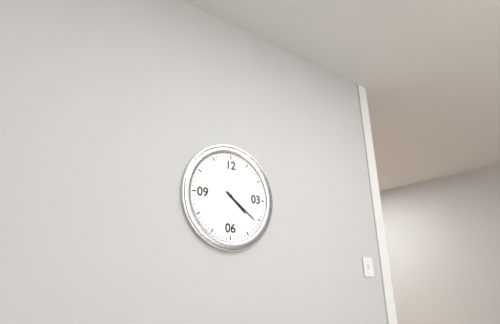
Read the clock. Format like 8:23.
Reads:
4:21
